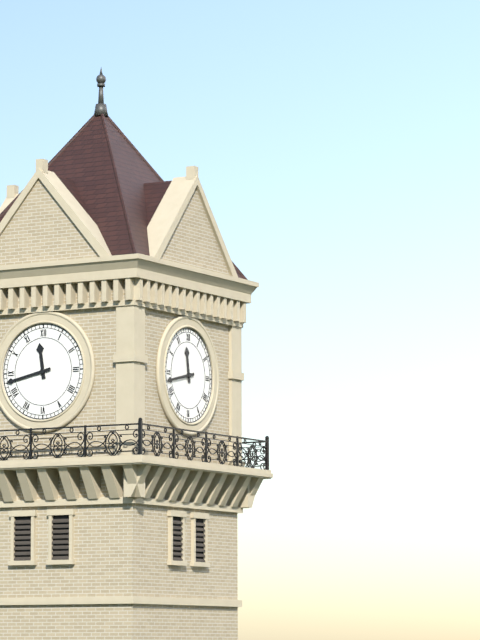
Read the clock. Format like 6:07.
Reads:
11:43
